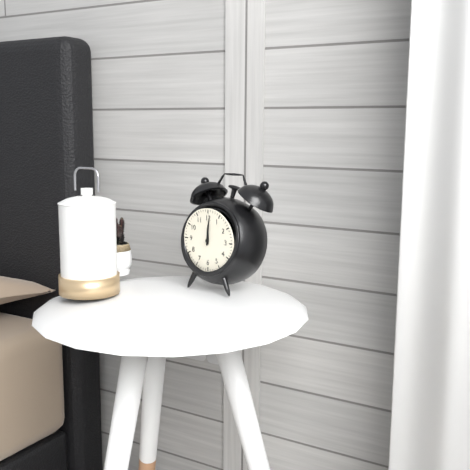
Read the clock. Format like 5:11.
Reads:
12:01
